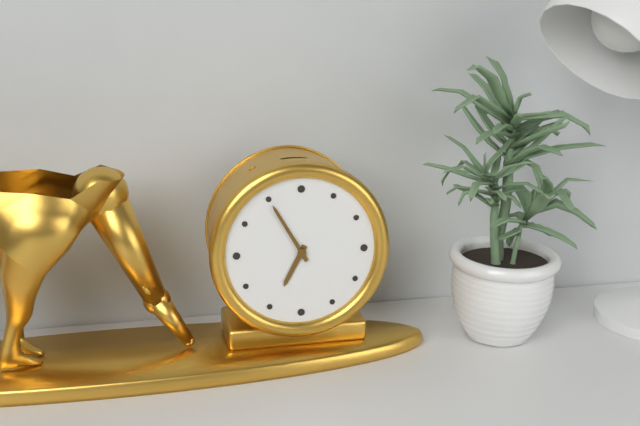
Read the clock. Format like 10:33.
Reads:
6:55
